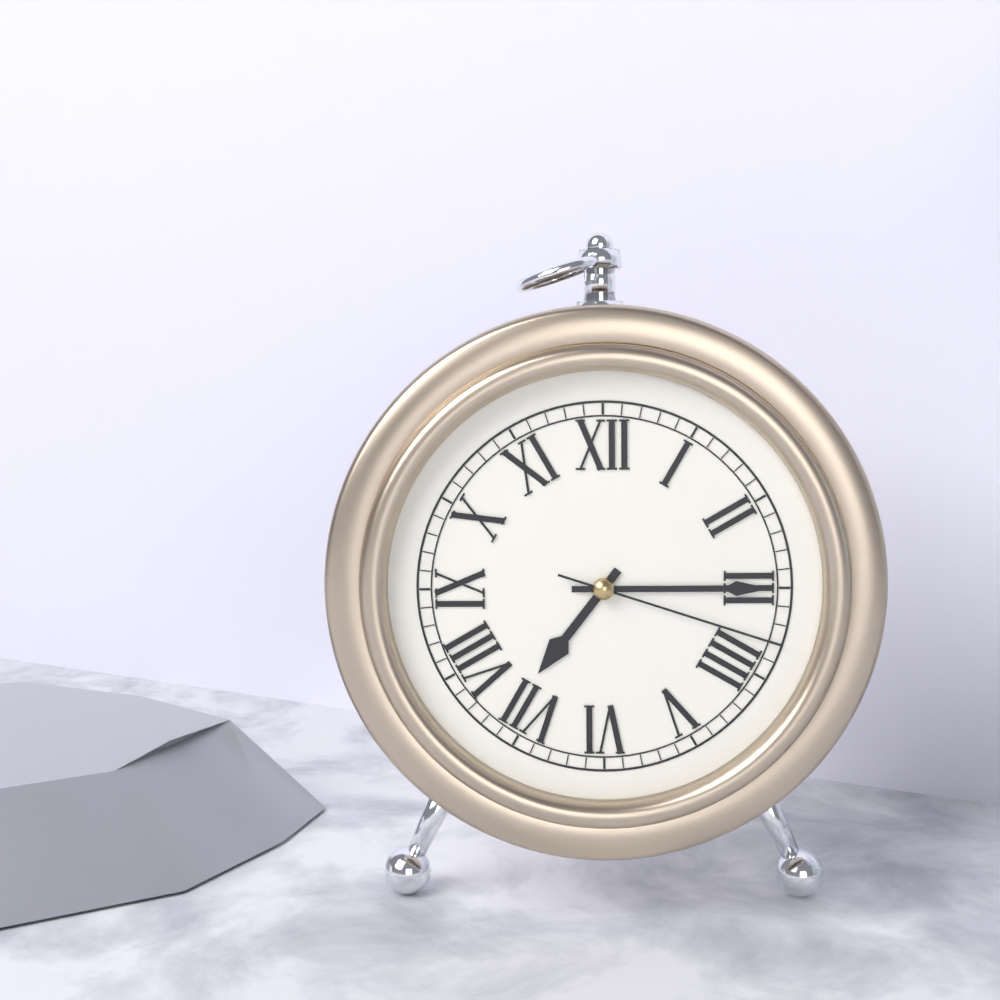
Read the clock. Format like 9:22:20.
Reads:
7:15:18
